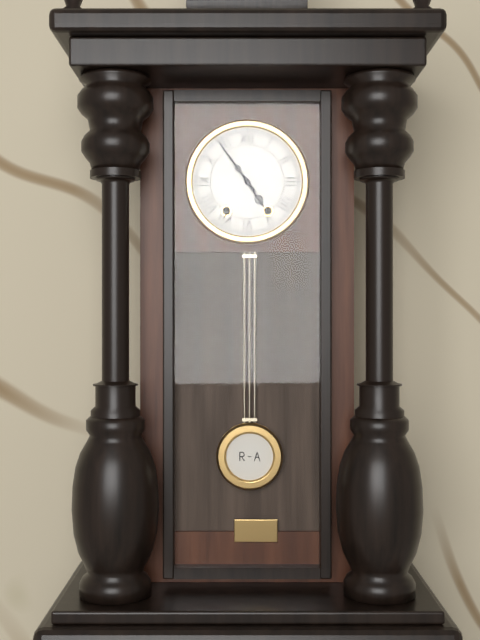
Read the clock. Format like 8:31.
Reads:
4:54
